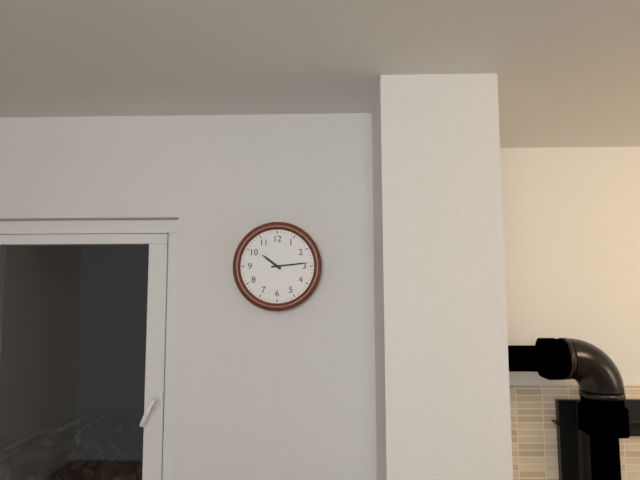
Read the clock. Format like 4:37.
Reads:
10:14
